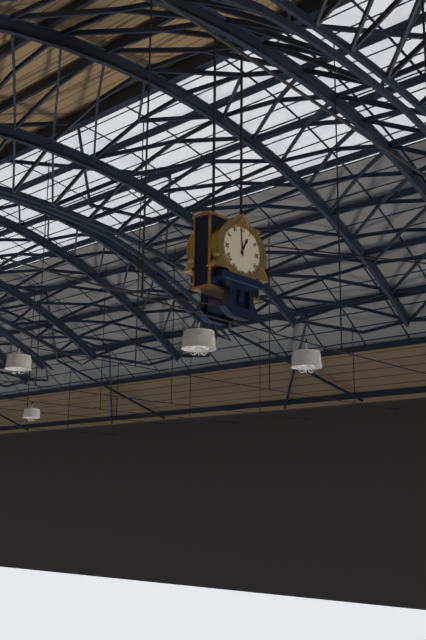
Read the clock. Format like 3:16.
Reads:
12:59
